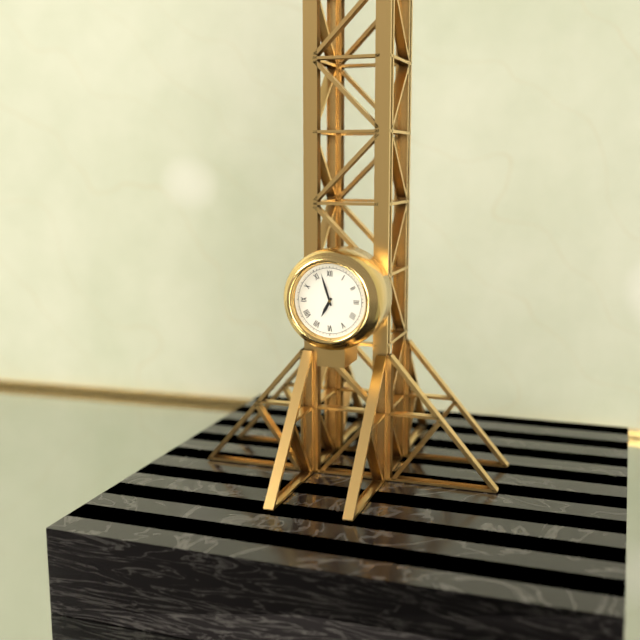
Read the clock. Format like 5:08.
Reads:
6:57
